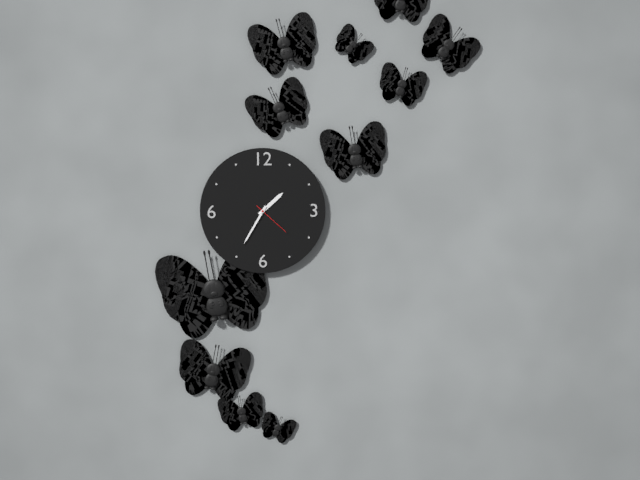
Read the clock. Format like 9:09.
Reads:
1:35
